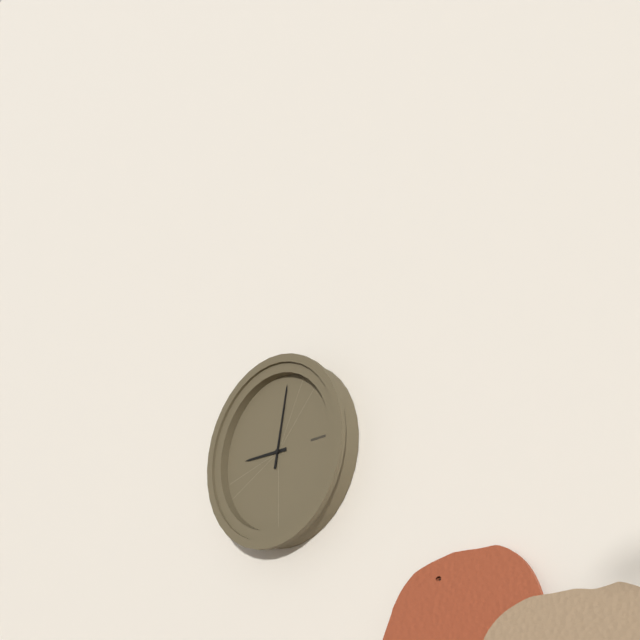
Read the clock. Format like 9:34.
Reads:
9:02
